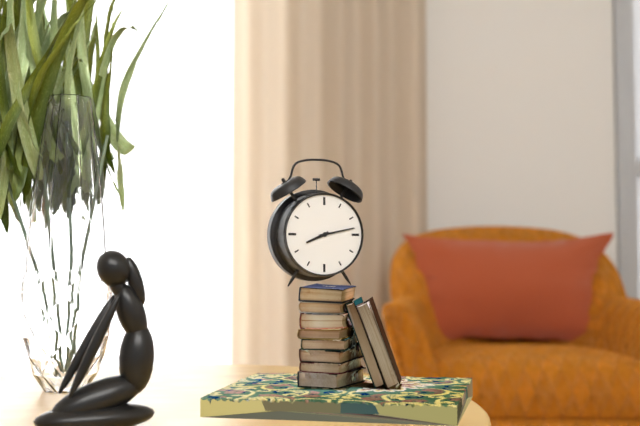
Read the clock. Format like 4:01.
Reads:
8:13
